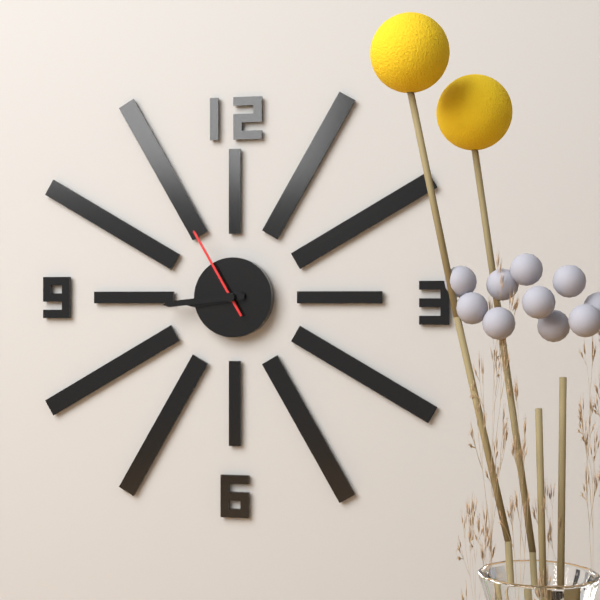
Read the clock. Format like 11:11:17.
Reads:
8:44:55
